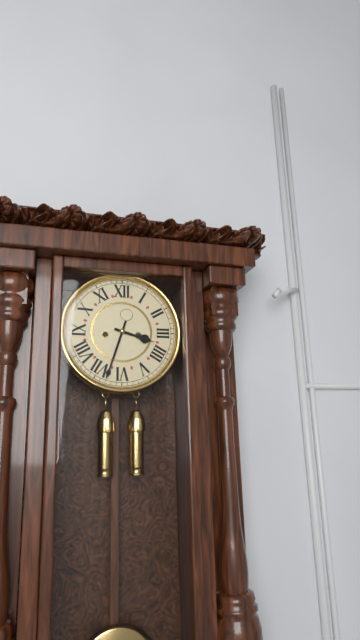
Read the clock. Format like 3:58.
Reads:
3:33
